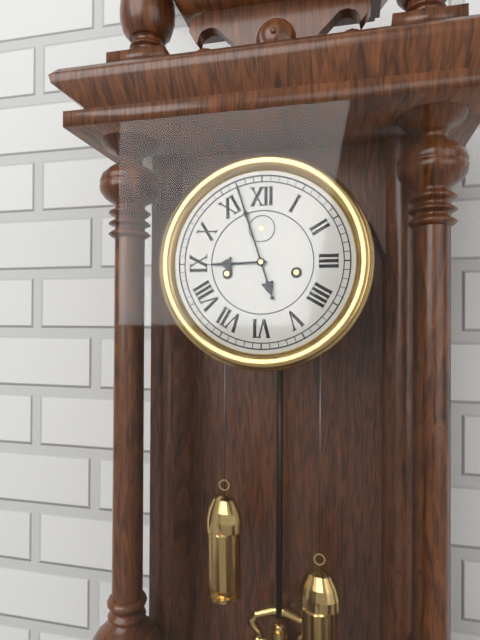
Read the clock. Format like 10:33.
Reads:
8:57
